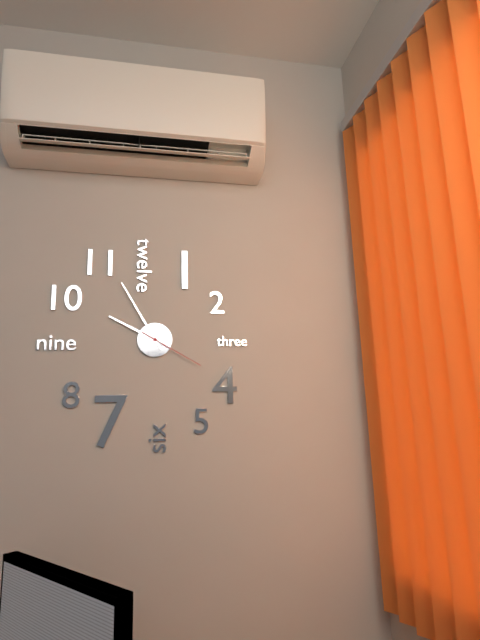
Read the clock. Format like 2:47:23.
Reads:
9:55:20
